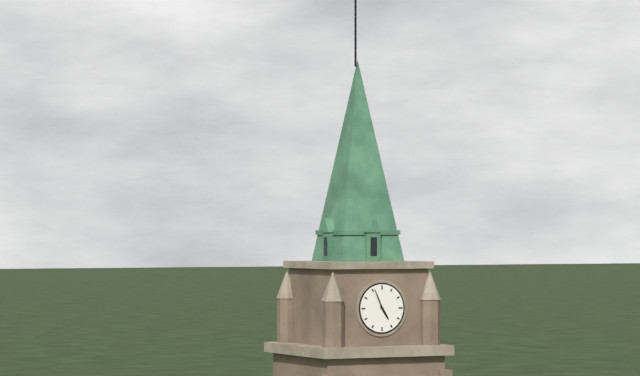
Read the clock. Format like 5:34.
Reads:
4:56
